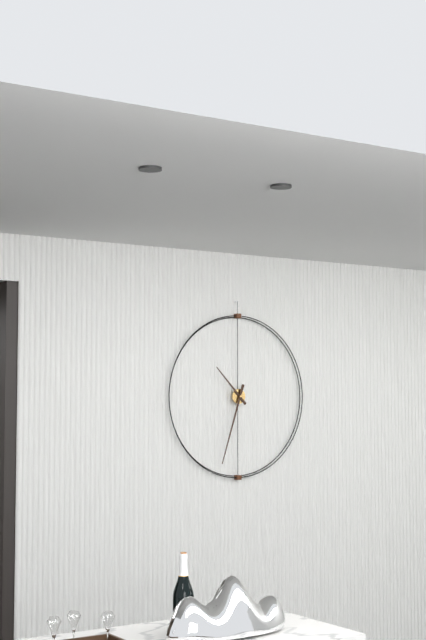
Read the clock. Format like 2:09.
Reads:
10:33
